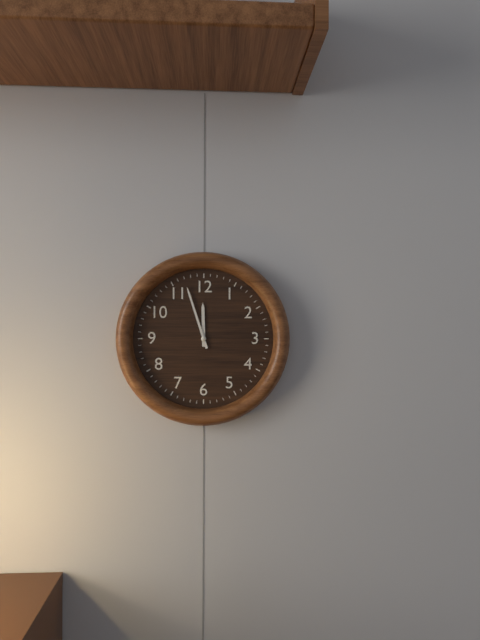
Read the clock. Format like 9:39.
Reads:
11:57
